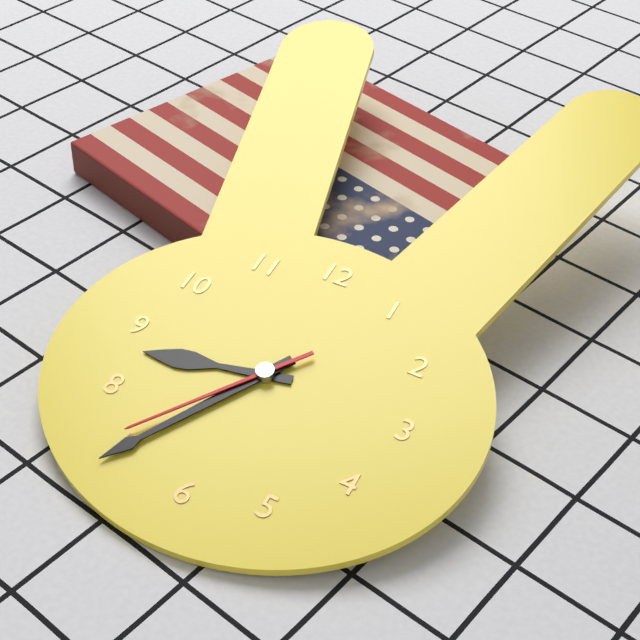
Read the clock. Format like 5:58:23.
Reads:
8:35:36
